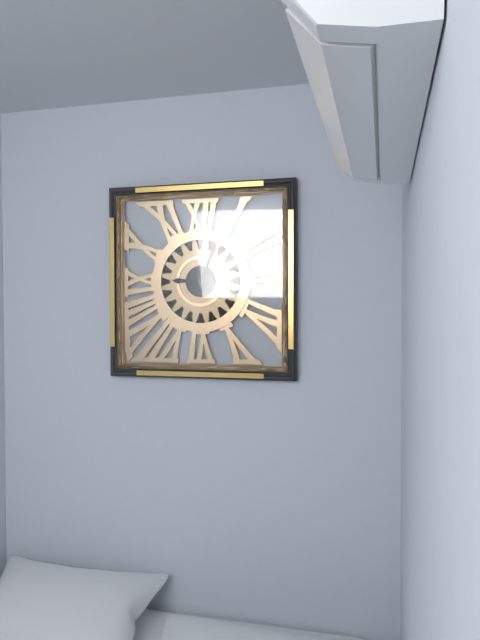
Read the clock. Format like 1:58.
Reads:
9:04
